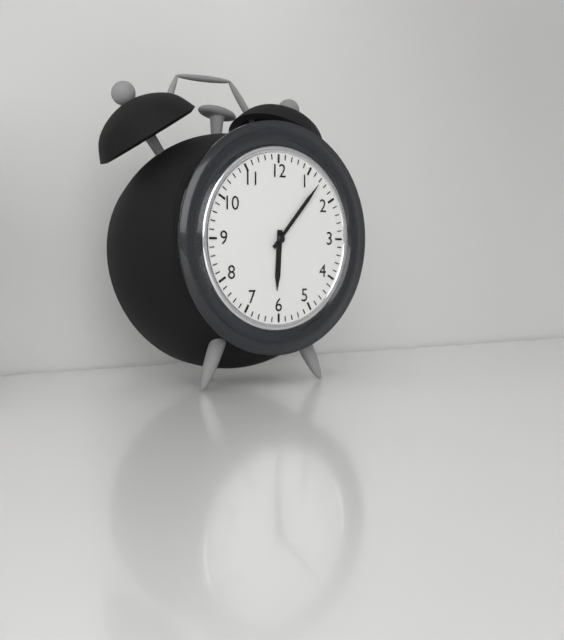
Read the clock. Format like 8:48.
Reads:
6:07
